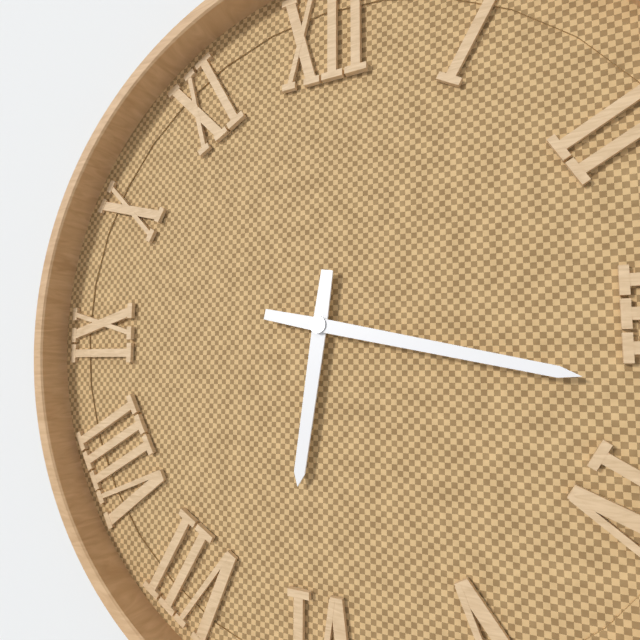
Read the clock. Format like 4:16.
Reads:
6:17
